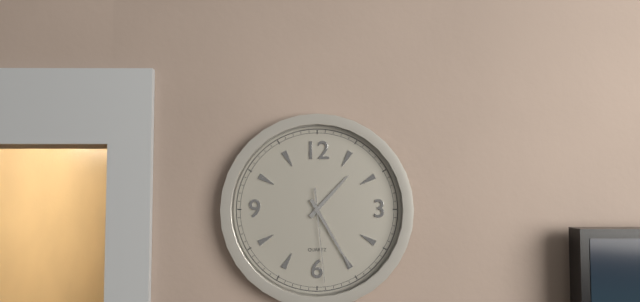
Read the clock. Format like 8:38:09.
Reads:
1:25:29
